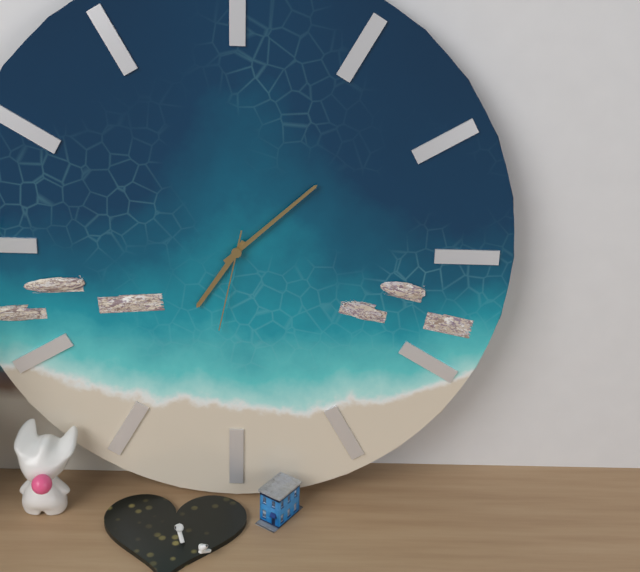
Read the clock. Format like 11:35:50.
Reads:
7:08:32
